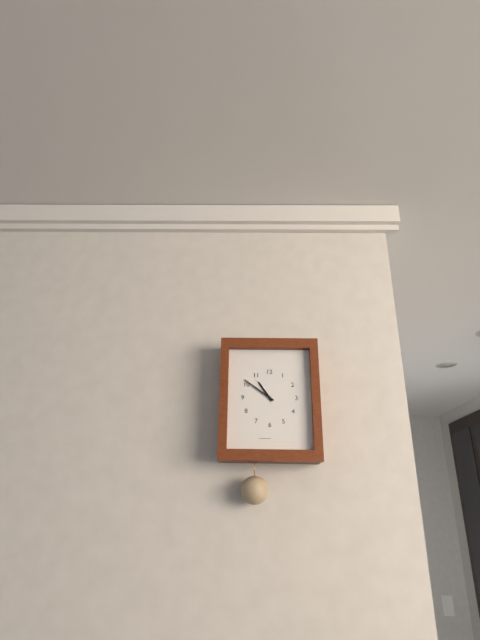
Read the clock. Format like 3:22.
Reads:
10:51
